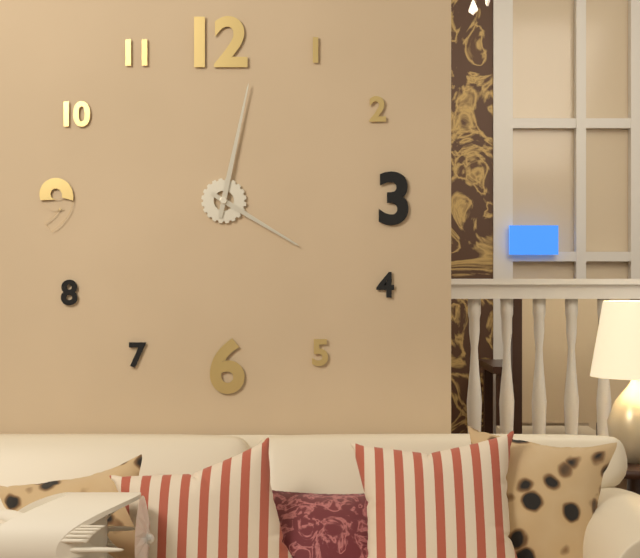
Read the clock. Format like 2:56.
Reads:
4:02
